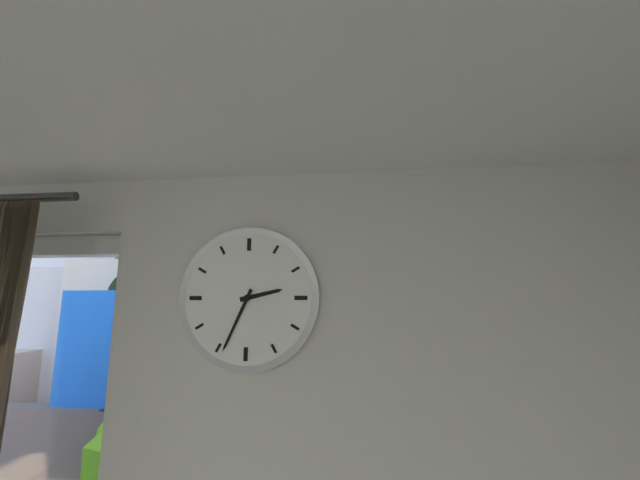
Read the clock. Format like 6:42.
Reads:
2:34
